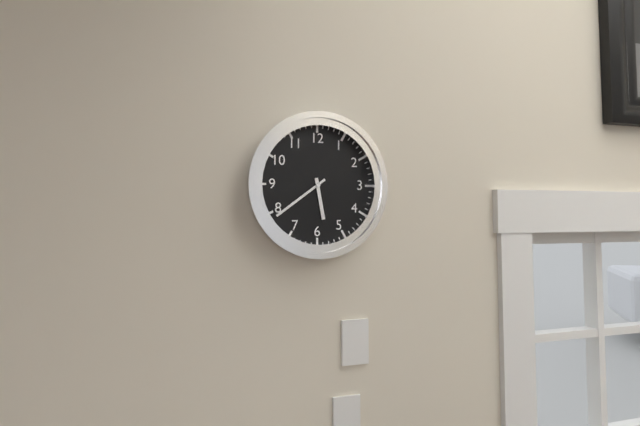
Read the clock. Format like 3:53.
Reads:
5:39
